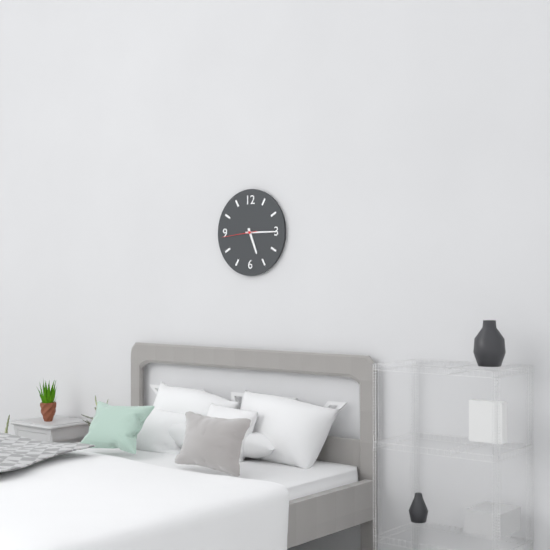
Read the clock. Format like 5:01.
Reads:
5:15
